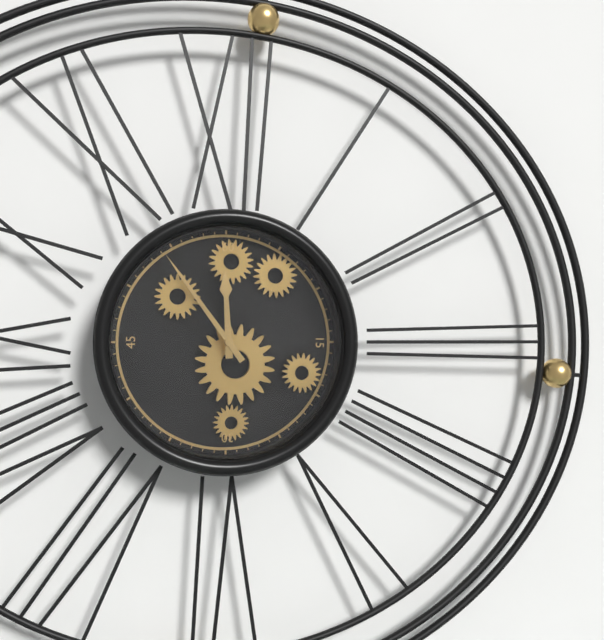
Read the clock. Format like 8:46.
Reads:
11:54
